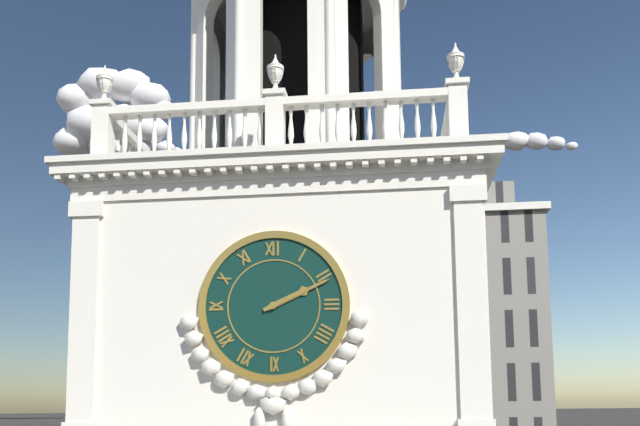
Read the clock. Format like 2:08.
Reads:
2:11
